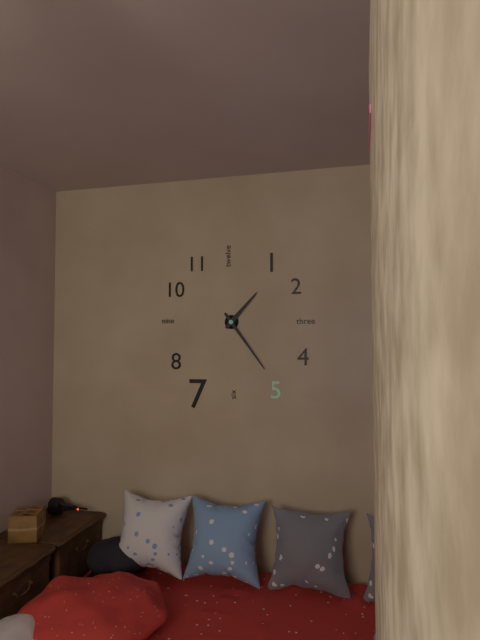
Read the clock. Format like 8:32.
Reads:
1:24
